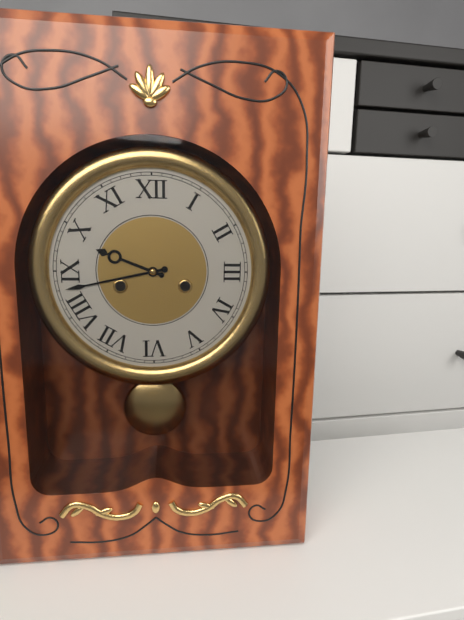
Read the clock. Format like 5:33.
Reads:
9:43
